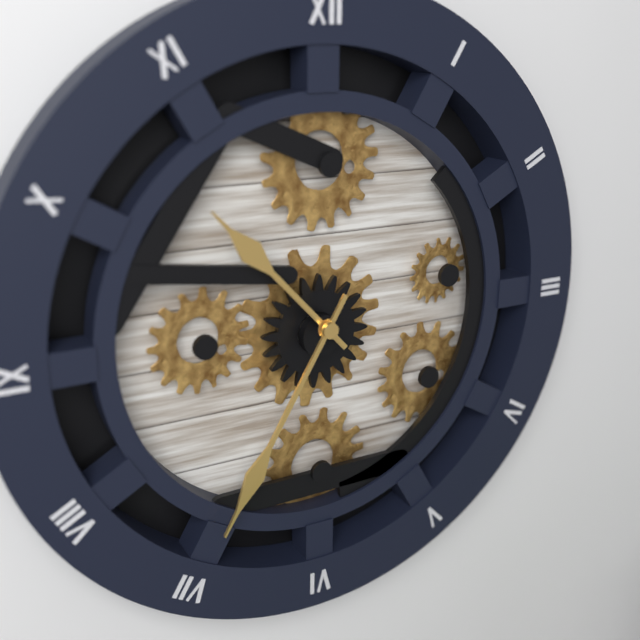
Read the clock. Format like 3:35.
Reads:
10:35
